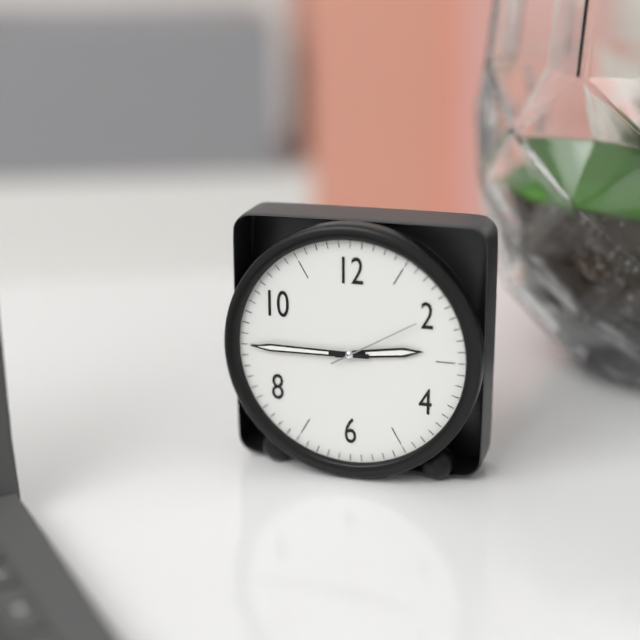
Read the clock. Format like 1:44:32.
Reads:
2:45:10
